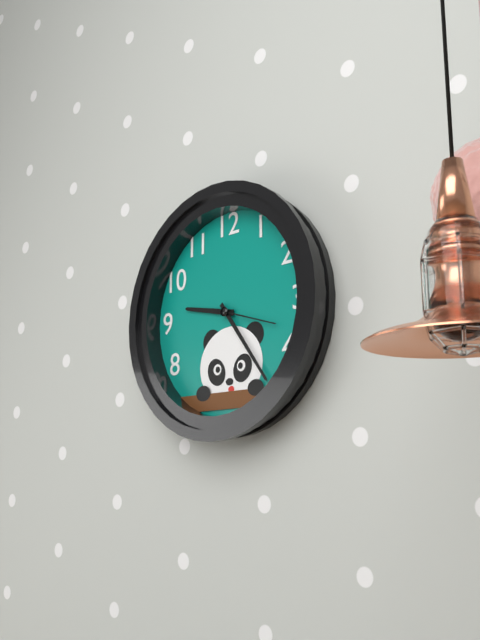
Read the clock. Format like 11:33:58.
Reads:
9:24:18
